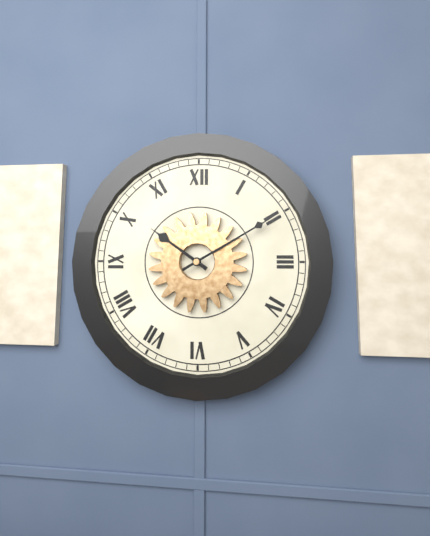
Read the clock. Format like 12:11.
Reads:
10:10
